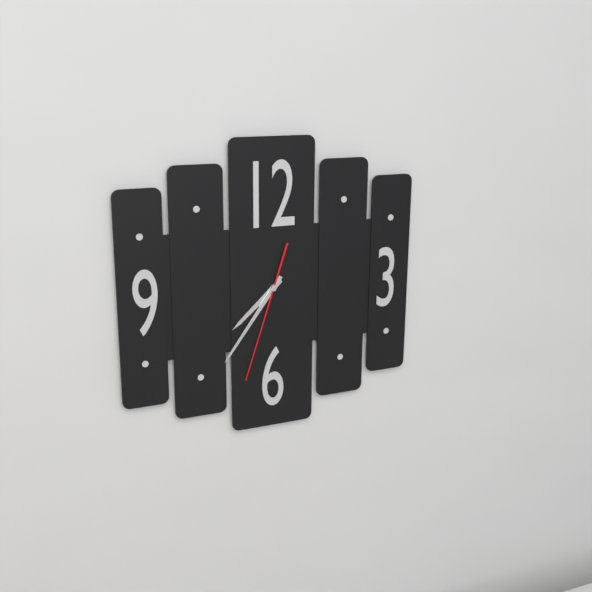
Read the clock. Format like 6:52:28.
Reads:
7:36:33
